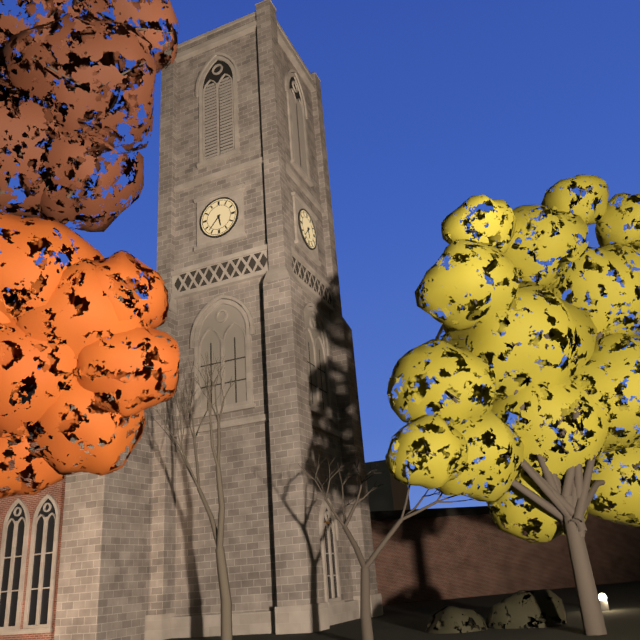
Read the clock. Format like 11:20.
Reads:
5:37
